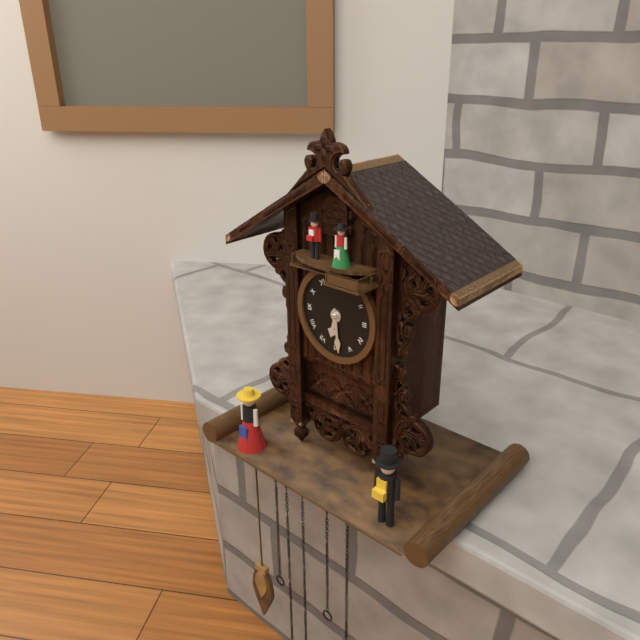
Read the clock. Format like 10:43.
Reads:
6:29
